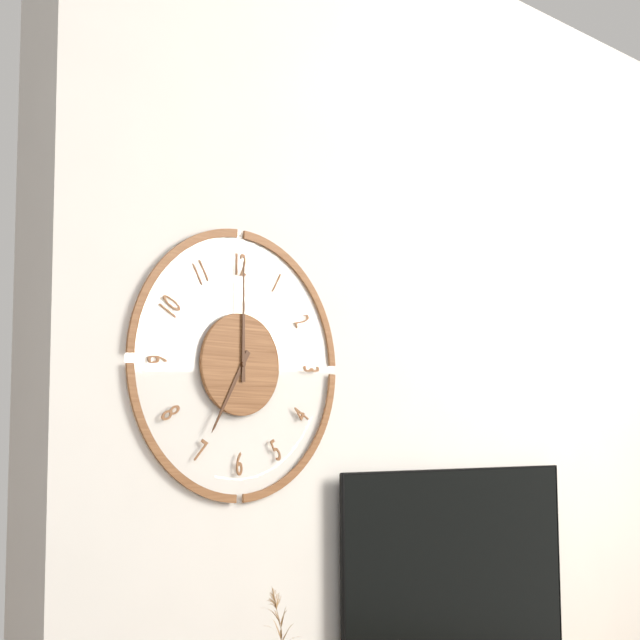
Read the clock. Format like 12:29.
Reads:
7:00
